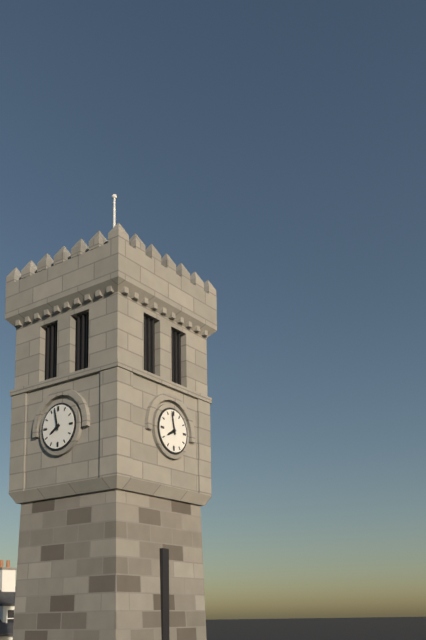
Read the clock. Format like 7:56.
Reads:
7:58
